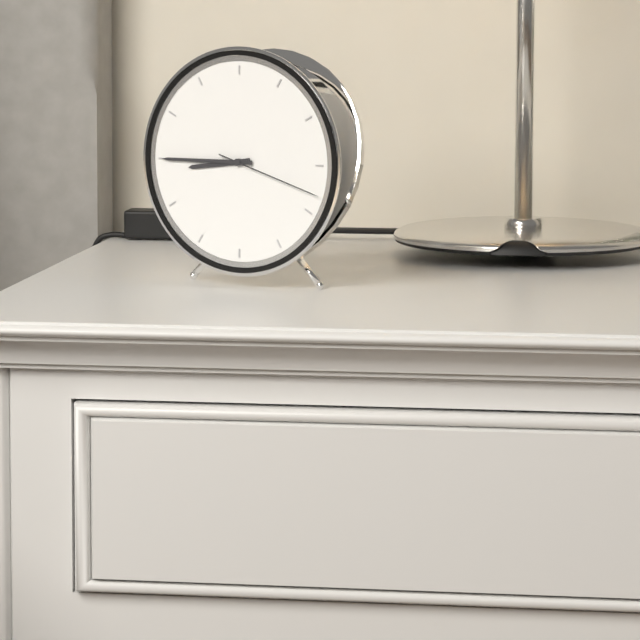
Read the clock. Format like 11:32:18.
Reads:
8:45:18
